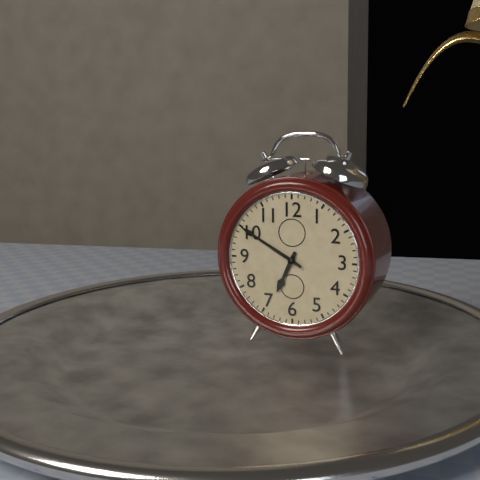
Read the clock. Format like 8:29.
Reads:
6:50
